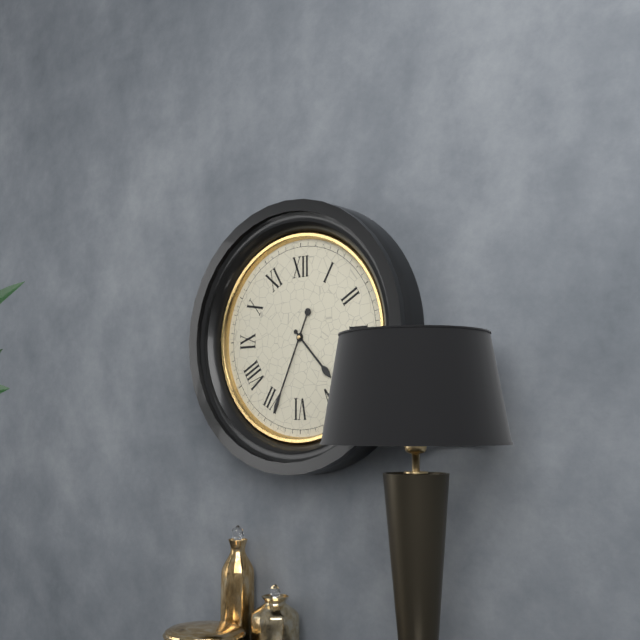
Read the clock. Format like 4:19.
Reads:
4:34
